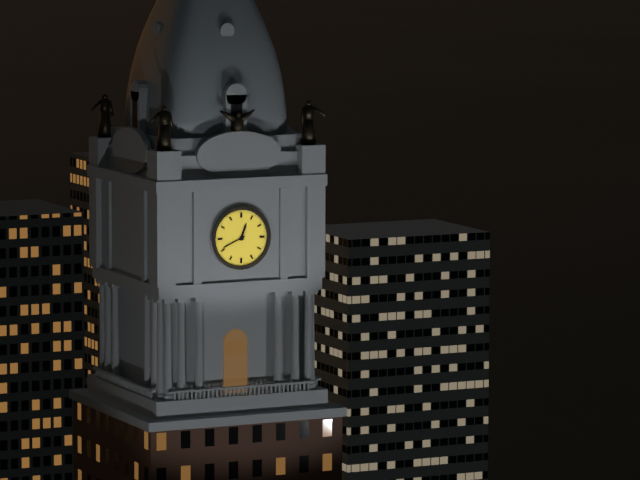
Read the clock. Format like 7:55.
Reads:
12:41
